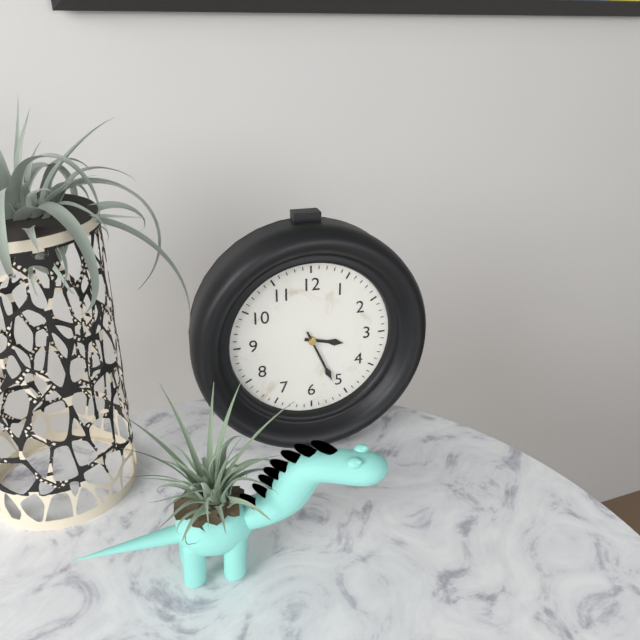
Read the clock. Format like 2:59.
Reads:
3:26
